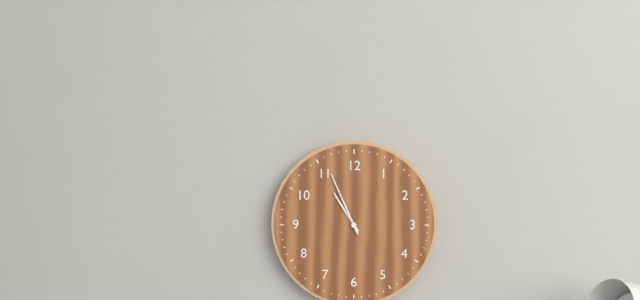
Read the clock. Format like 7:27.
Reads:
10:56
